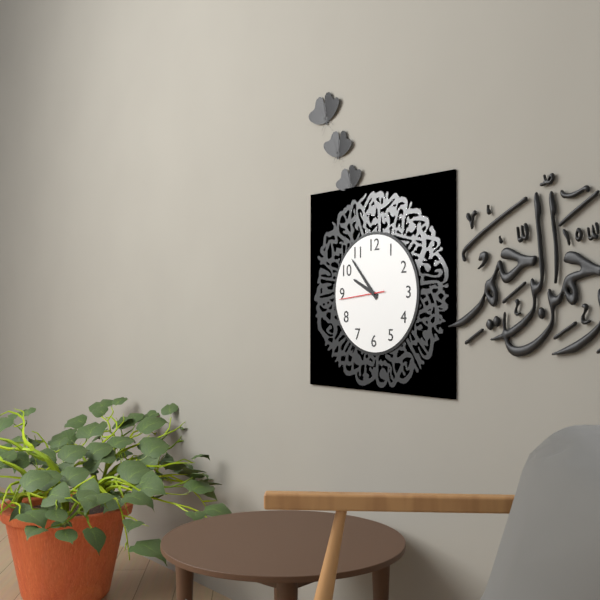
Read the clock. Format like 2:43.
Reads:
9:53
